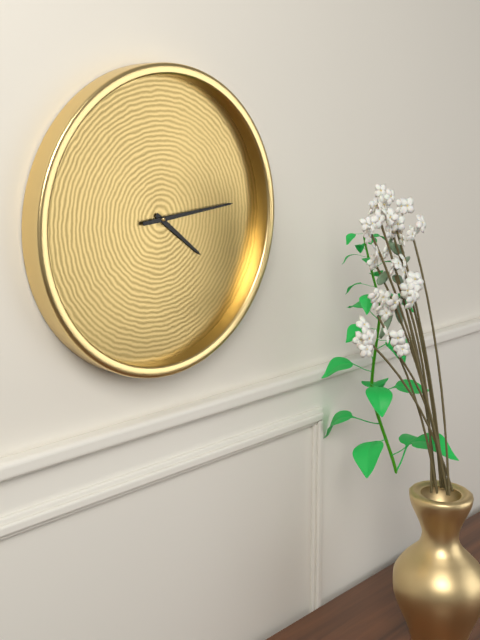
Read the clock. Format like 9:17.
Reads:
4:14
